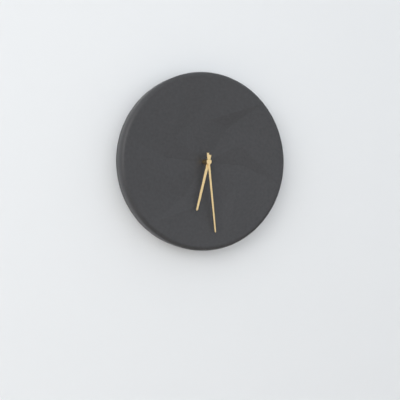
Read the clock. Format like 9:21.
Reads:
6:29
